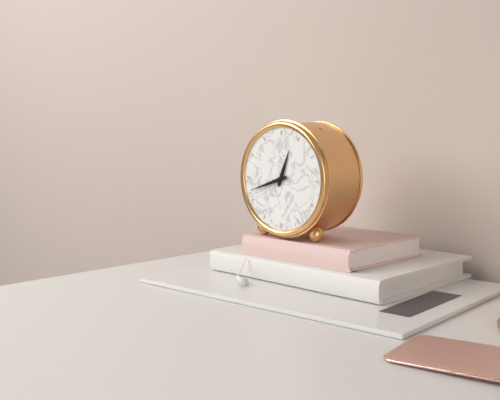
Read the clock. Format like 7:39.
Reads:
12:42
